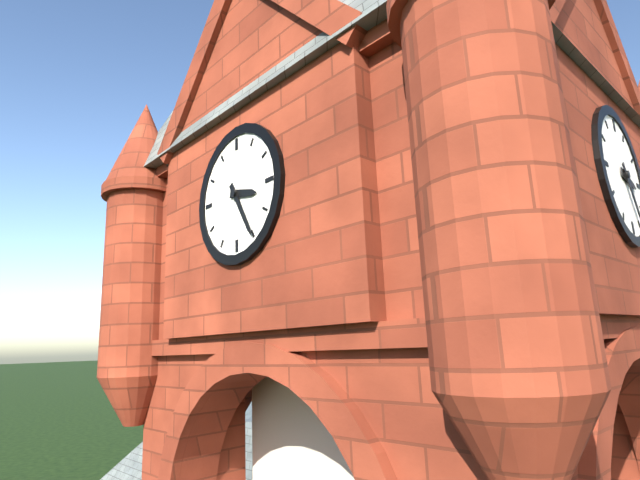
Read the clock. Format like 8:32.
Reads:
3:25
